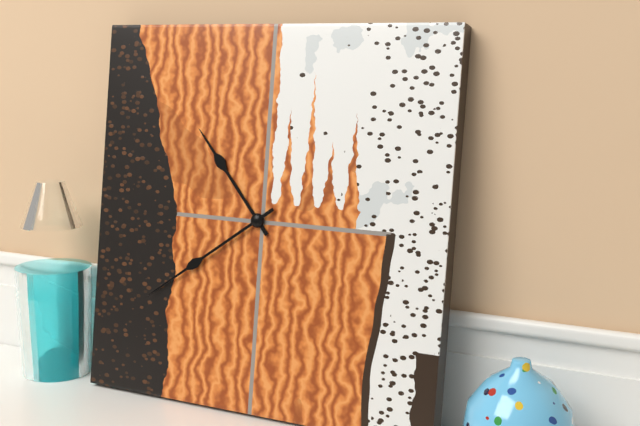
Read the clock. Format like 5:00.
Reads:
10:39
